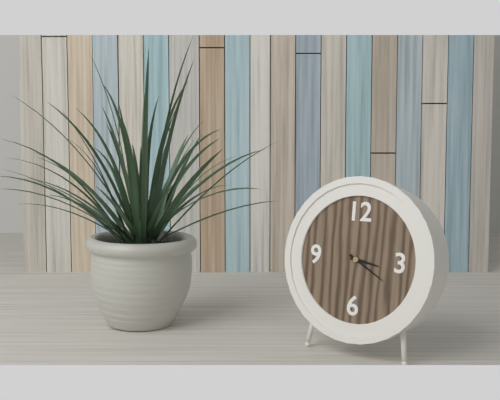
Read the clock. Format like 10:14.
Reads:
3:20
